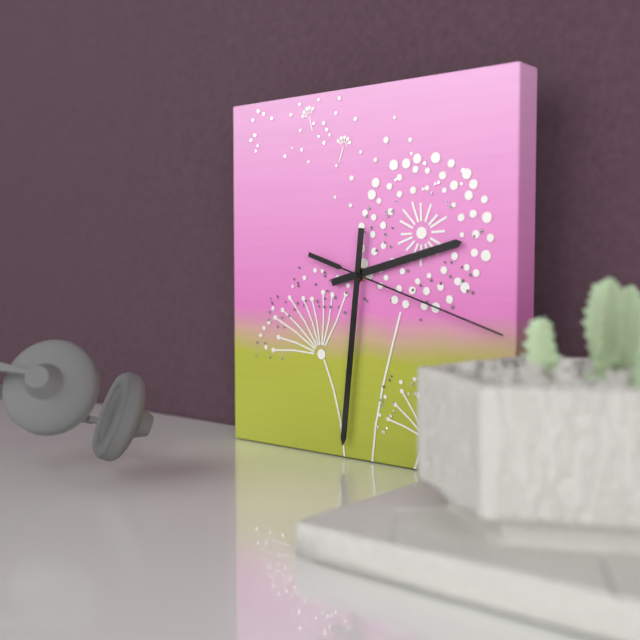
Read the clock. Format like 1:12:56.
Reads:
2:31:18
